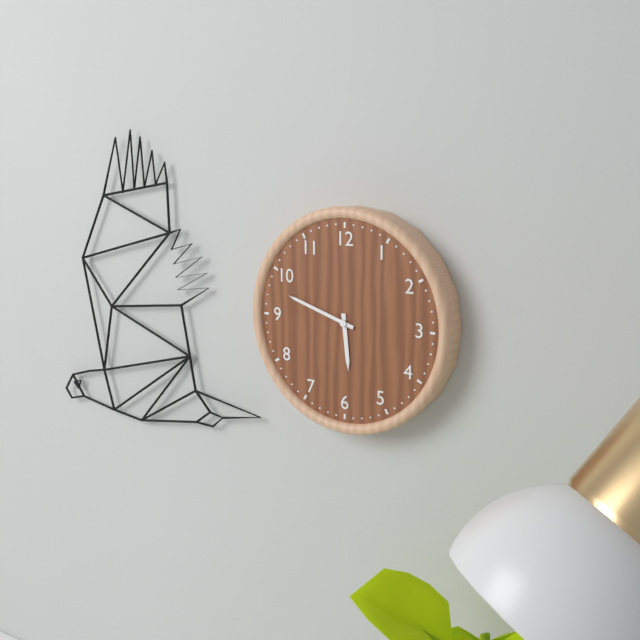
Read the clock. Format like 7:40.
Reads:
5:48
